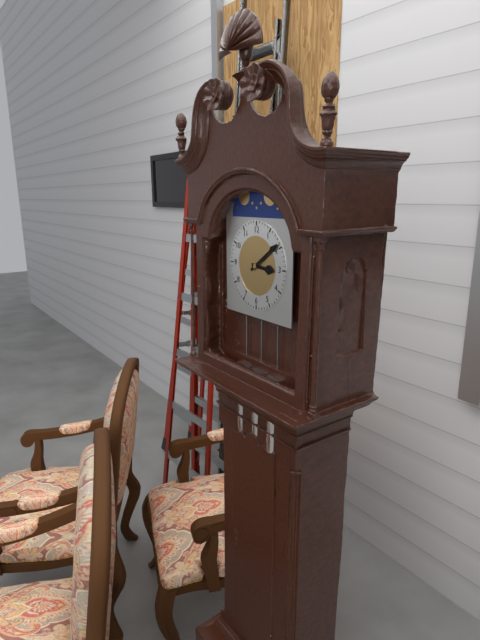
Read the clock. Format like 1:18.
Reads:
3:09
